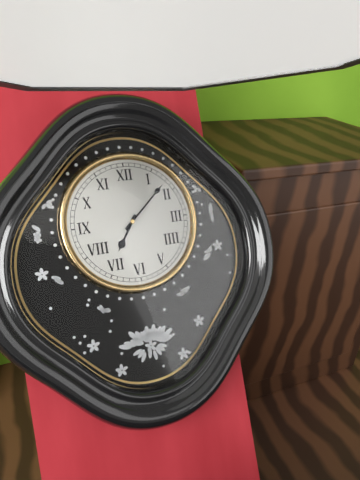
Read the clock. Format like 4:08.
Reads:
7:08
